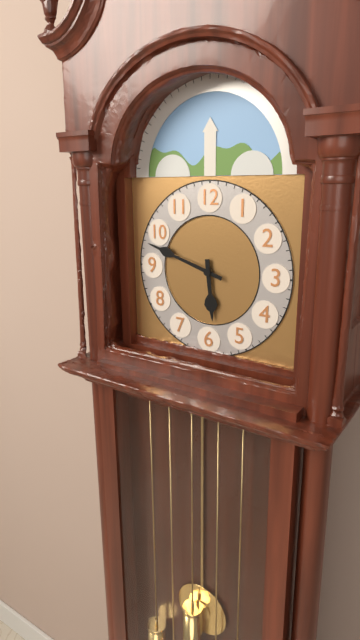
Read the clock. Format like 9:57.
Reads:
5:48
